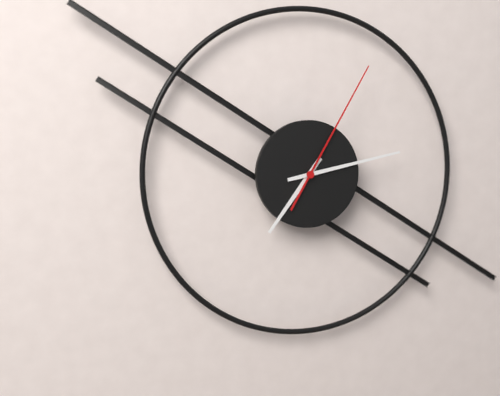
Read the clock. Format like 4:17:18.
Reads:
7:13:05
